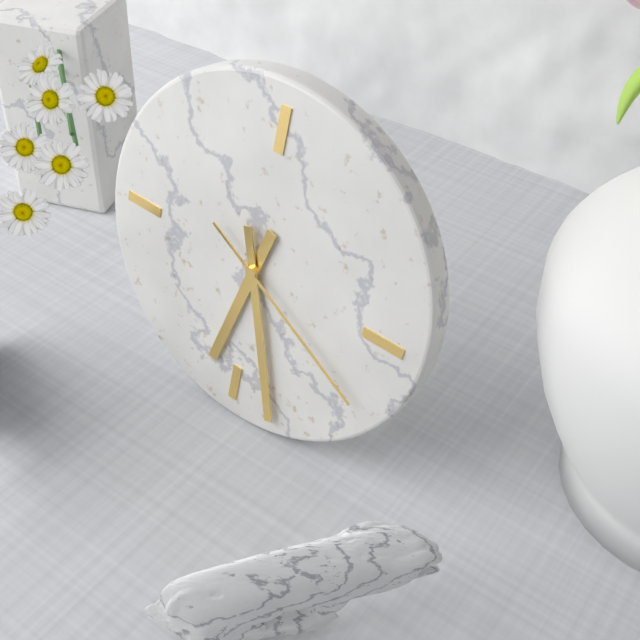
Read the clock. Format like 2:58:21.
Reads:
6:27:20
